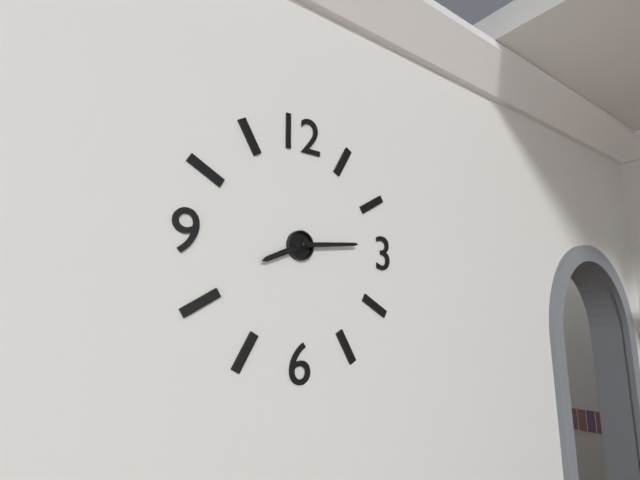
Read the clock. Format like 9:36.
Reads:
8:14
